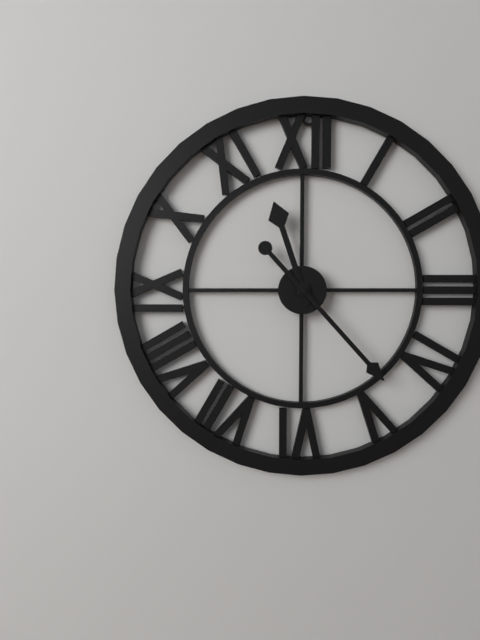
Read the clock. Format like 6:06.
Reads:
11:23
